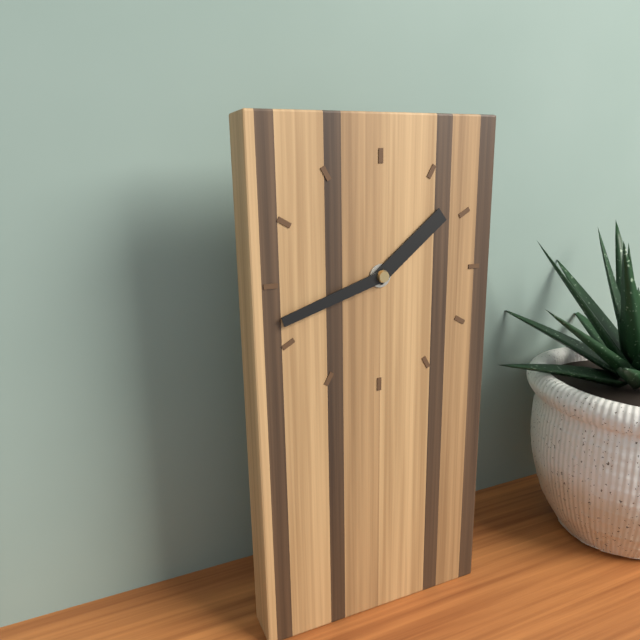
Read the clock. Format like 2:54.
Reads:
1:42
